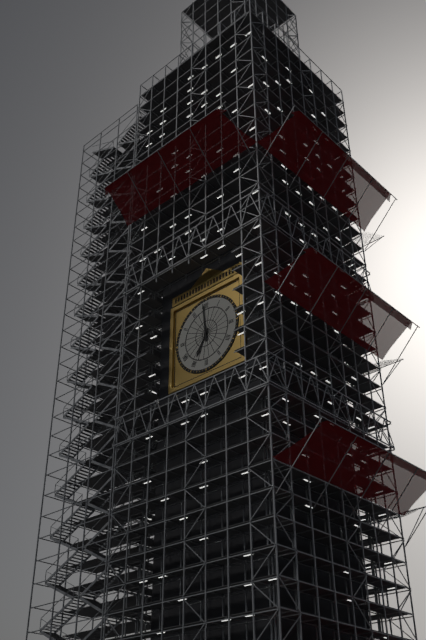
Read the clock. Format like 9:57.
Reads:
6:59
